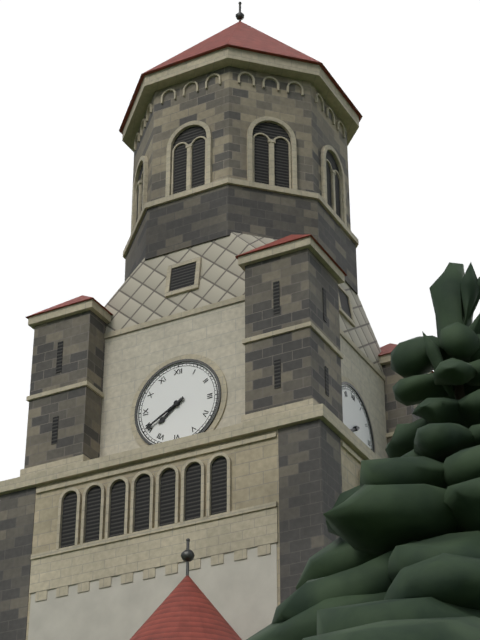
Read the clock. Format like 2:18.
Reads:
7:40
